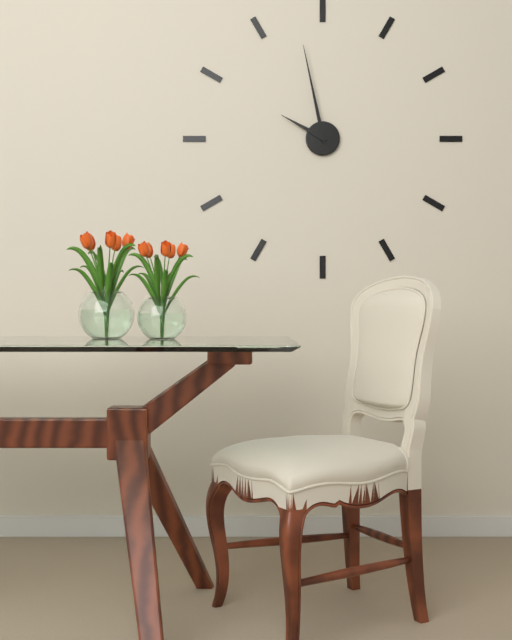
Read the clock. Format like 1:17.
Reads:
9:58
